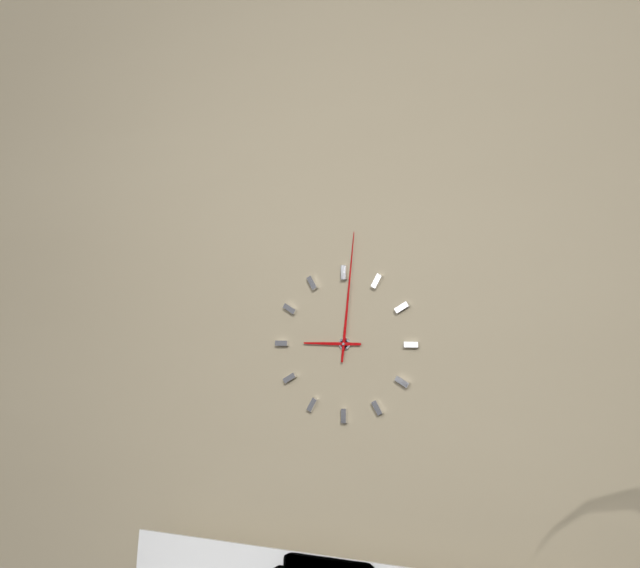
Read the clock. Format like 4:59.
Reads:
9:01
